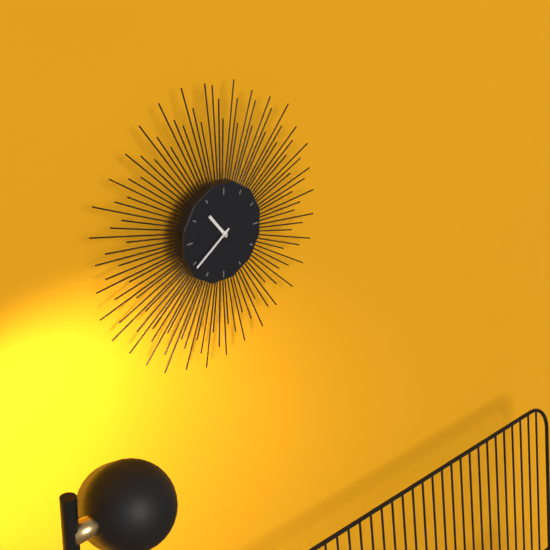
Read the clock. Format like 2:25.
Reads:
10:39
